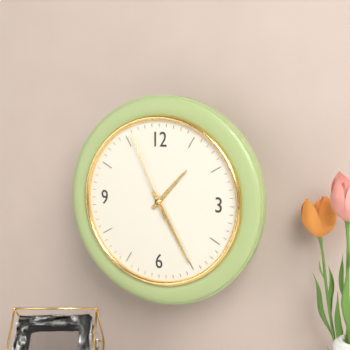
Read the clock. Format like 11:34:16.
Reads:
1:25:56
